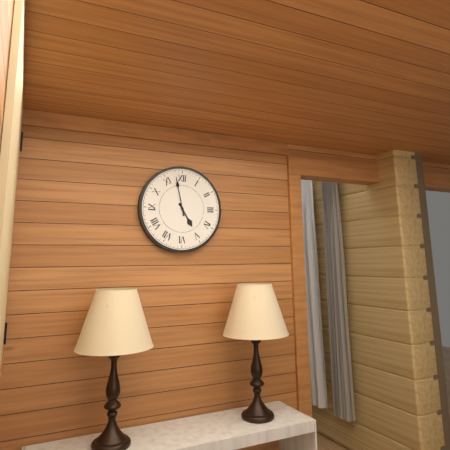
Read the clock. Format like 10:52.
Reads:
4:58
